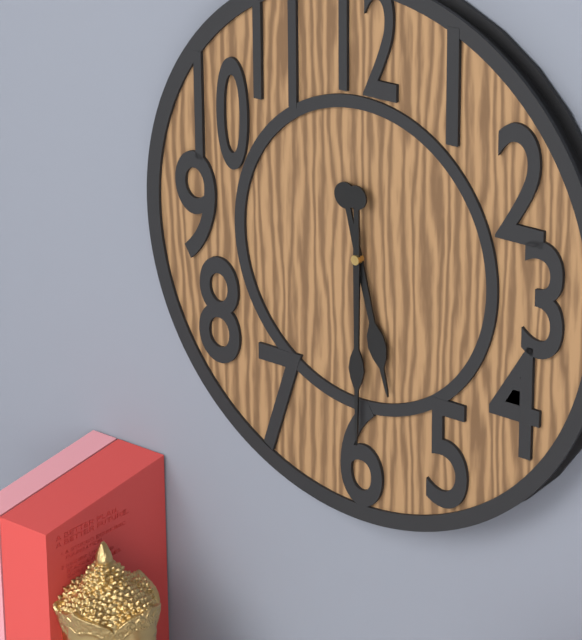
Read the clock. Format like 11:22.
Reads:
5:30
